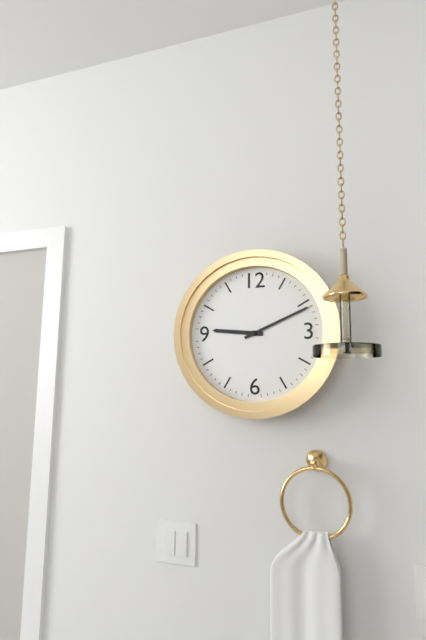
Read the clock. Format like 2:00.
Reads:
9:11
